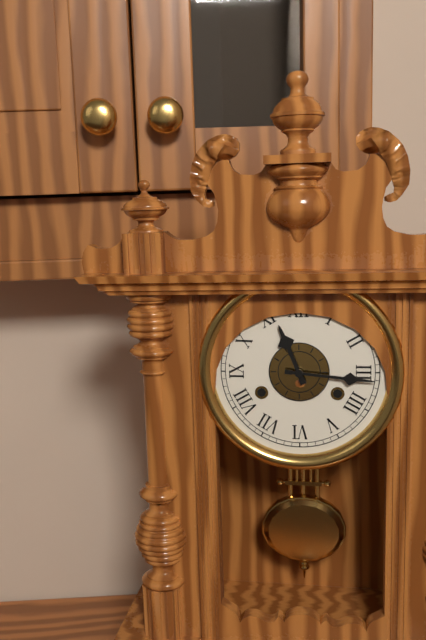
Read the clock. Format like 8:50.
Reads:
11:16
